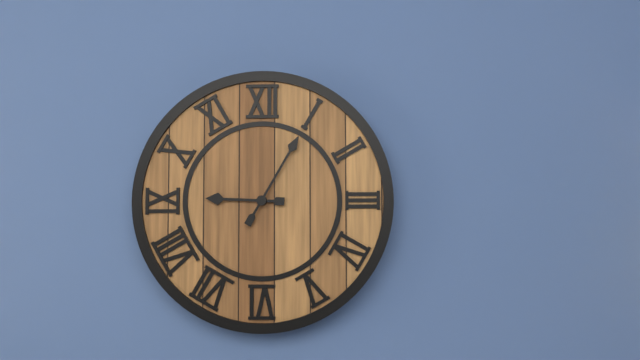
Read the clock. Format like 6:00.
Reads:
9:05
